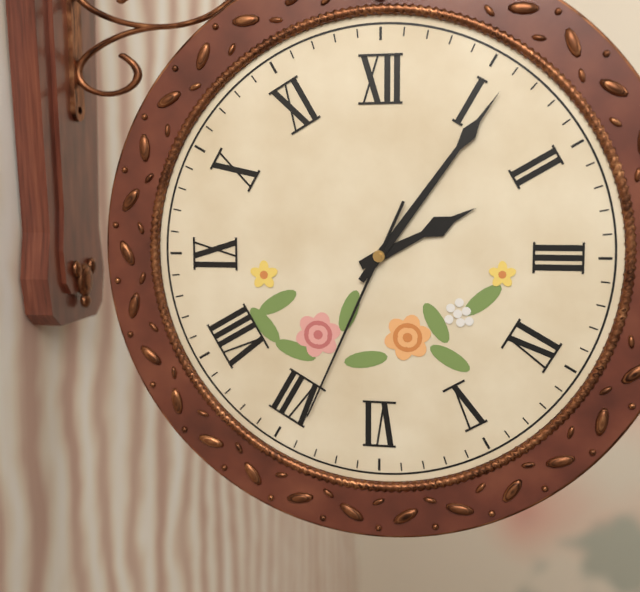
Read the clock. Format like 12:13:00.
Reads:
2:06:34
